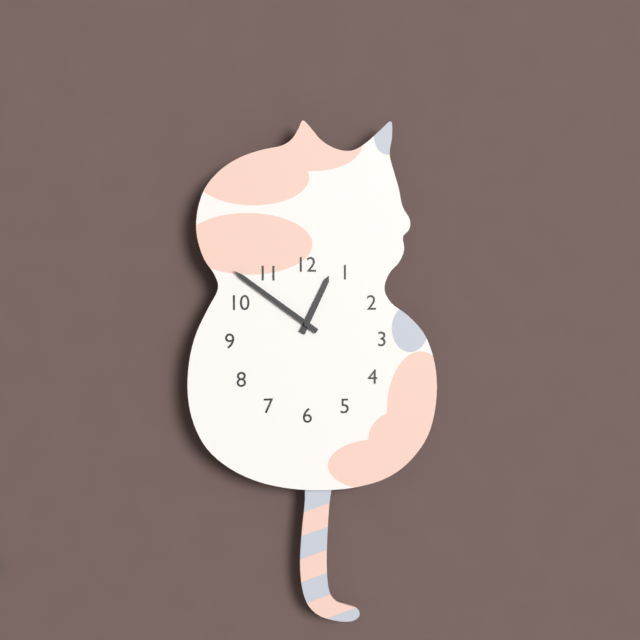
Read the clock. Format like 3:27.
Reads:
12:51
